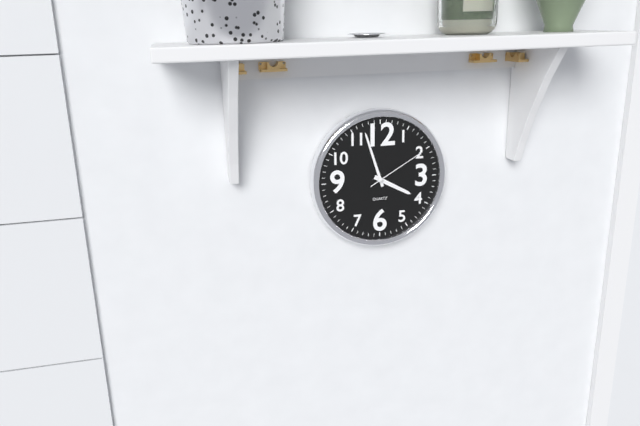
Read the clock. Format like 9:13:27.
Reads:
3:57:10
